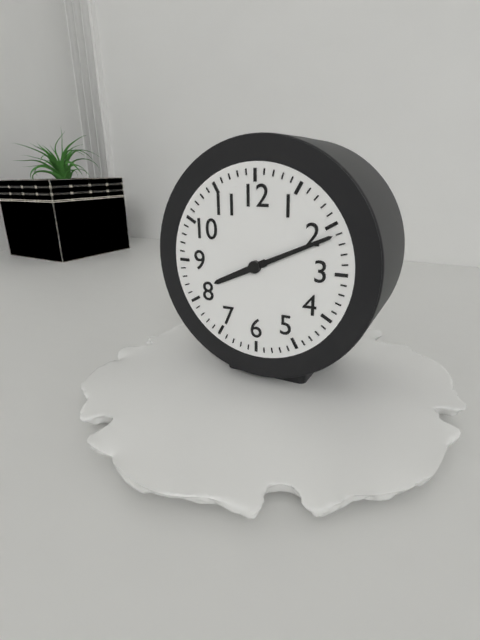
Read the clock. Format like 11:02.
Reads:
8:11
